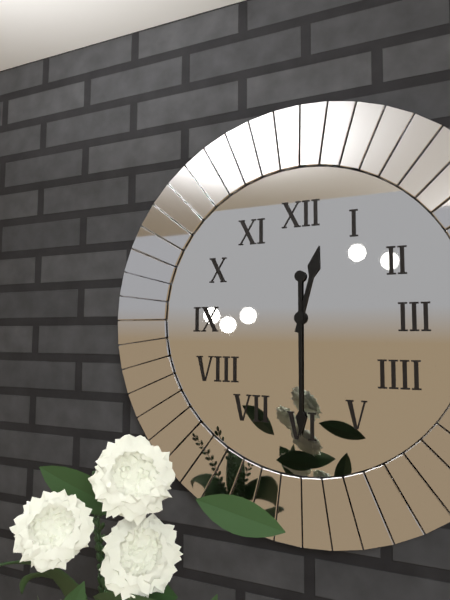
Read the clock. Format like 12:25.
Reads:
12:30
